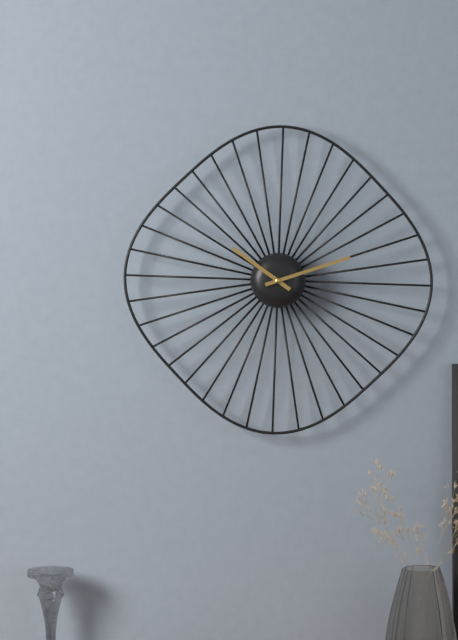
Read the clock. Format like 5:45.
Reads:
10:12
